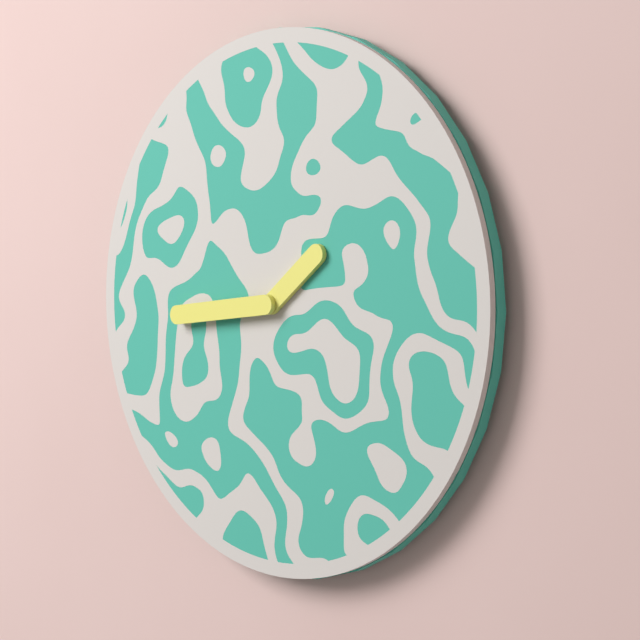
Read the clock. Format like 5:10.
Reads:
1:44
